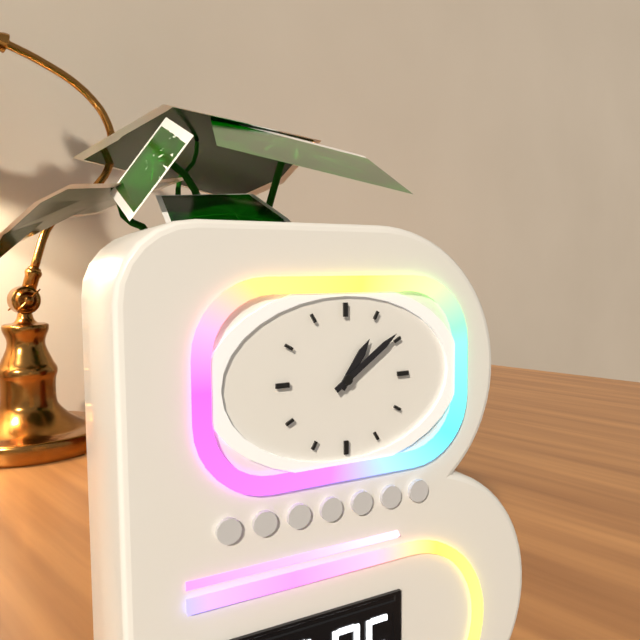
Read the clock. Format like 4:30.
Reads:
1:09
